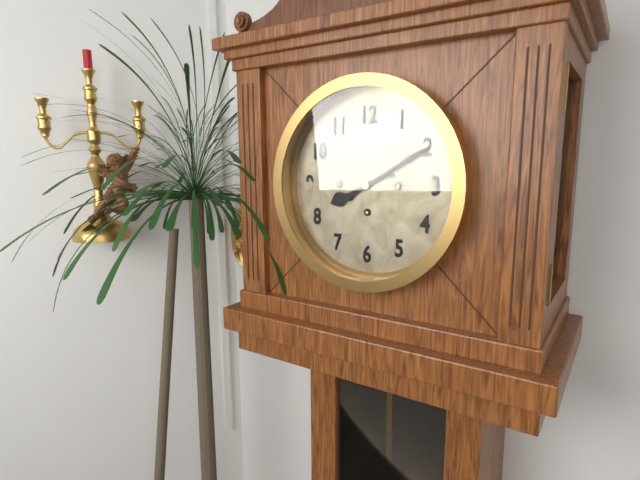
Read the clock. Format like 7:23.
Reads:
8:10
